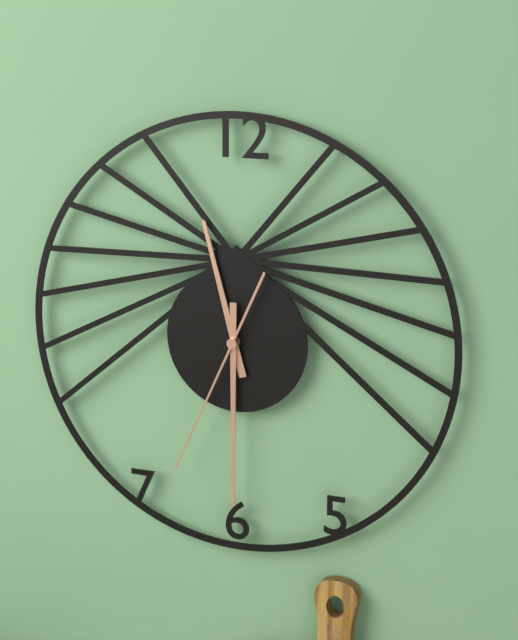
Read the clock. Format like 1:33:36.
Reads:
11:30:34
